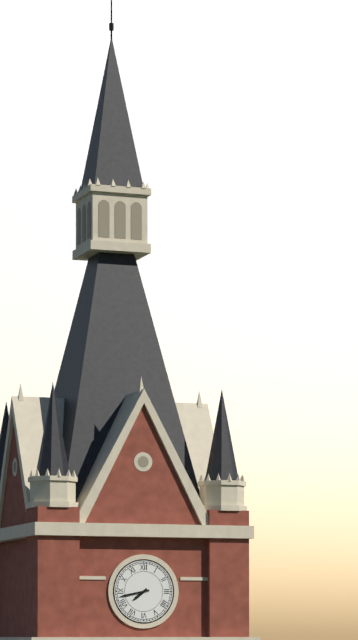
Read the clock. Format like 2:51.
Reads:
7:43
